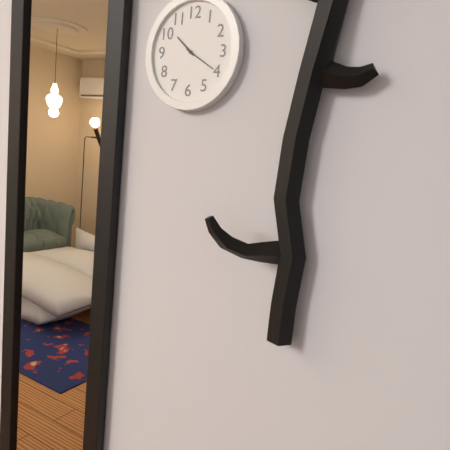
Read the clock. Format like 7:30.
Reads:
10:20
